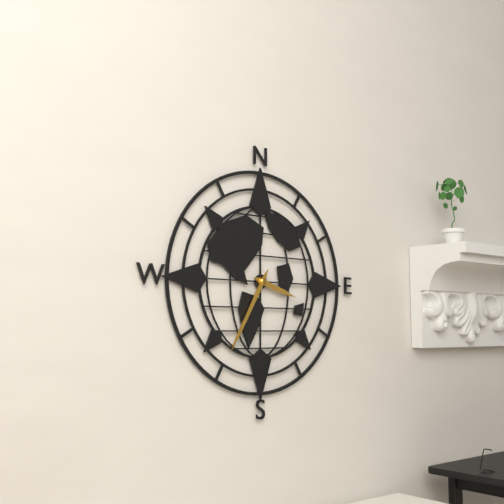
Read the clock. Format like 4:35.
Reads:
3:35
